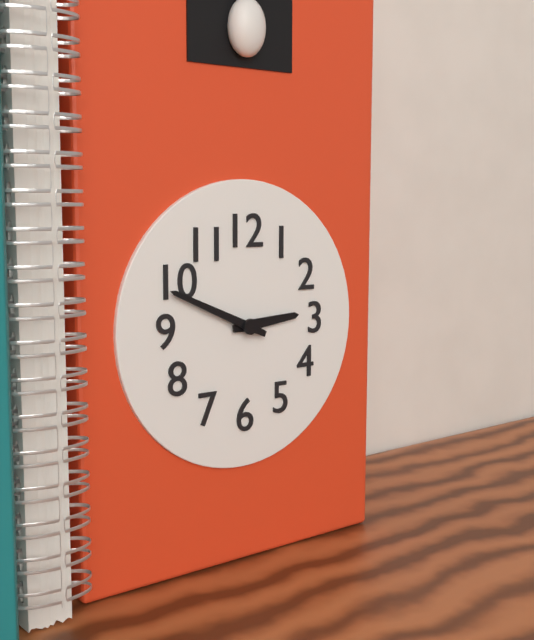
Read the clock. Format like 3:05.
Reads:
2:49
